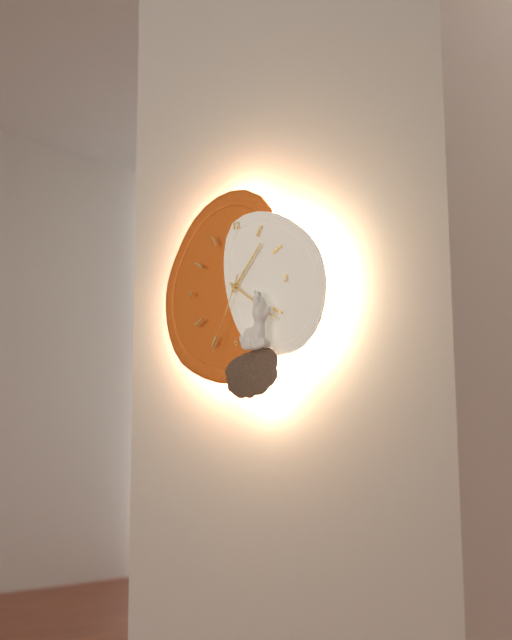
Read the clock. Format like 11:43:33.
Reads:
1:21:34
